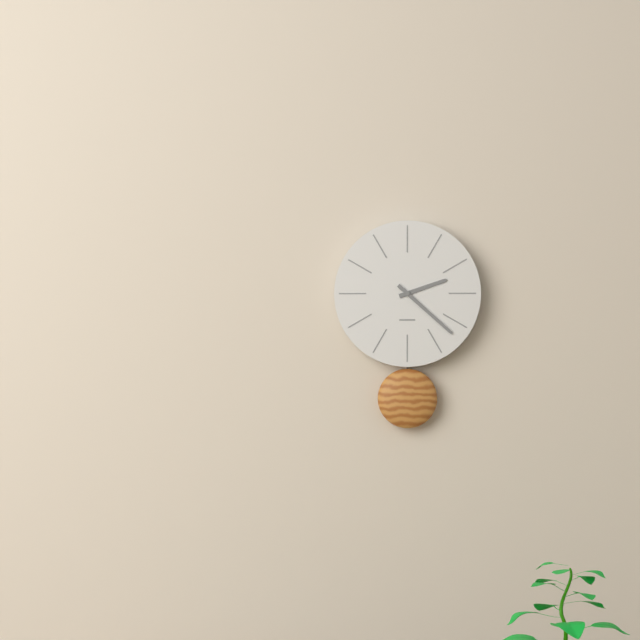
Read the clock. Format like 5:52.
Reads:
2:22
